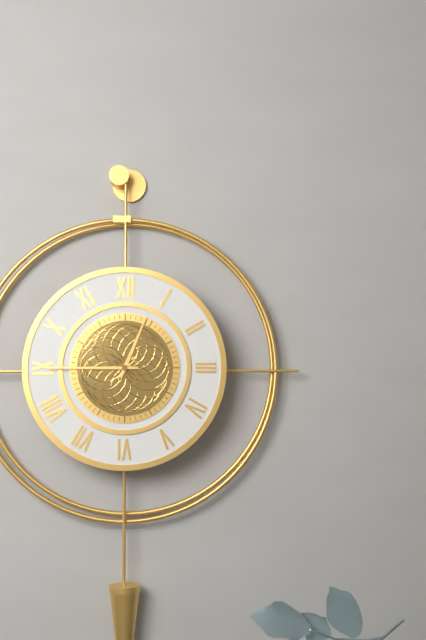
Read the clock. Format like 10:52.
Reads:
12:45
